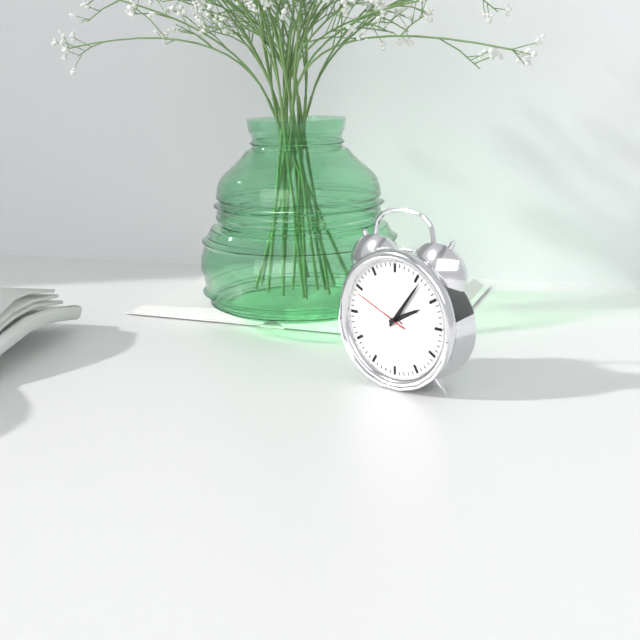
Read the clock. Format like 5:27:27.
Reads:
2:06:49
